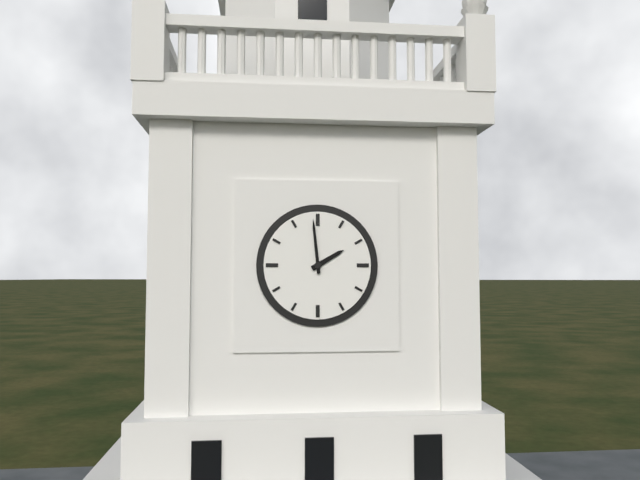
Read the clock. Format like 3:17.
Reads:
1:59
